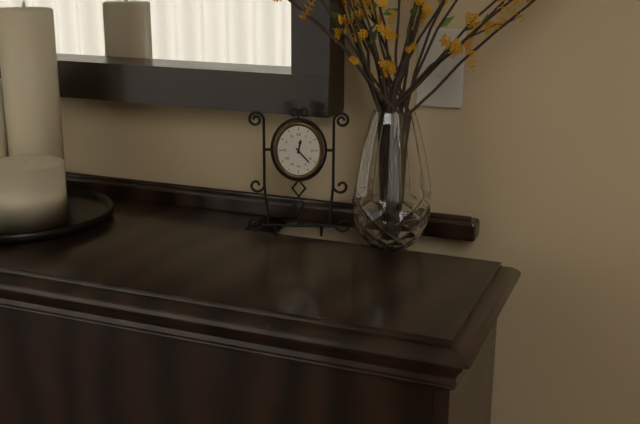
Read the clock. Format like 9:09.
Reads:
12:23
